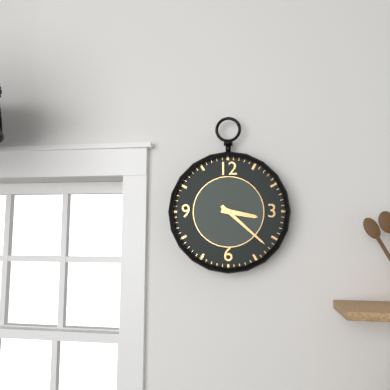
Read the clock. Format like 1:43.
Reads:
3:22
